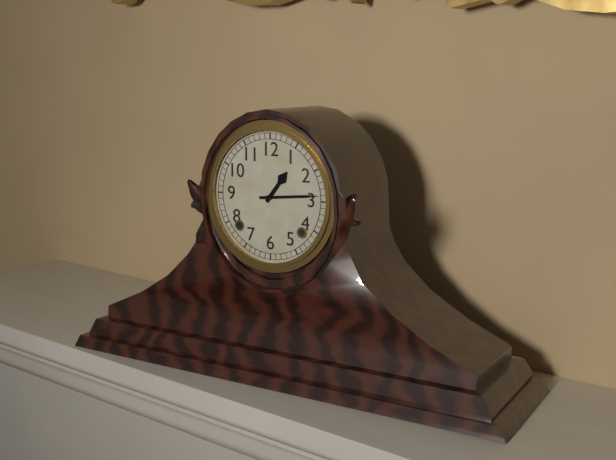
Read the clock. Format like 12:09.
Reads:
1:14
